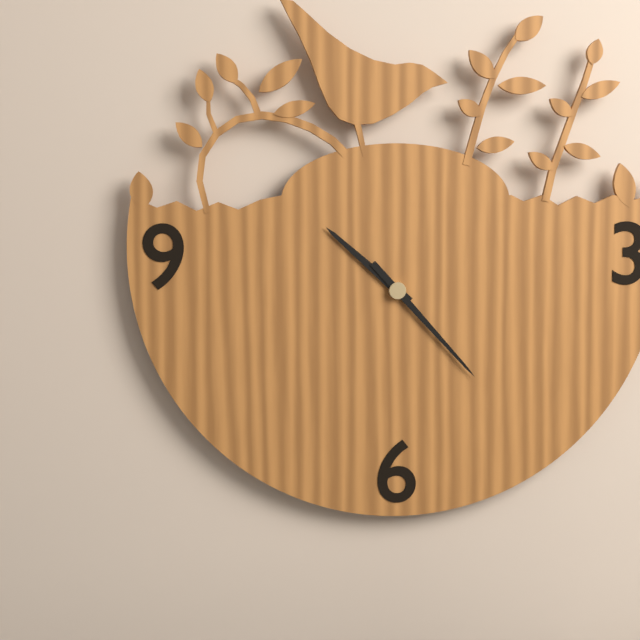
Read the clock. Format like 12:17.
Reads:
10:23
